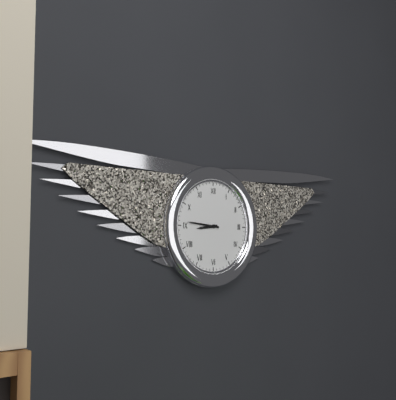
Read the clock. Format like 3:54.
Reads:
8:46
